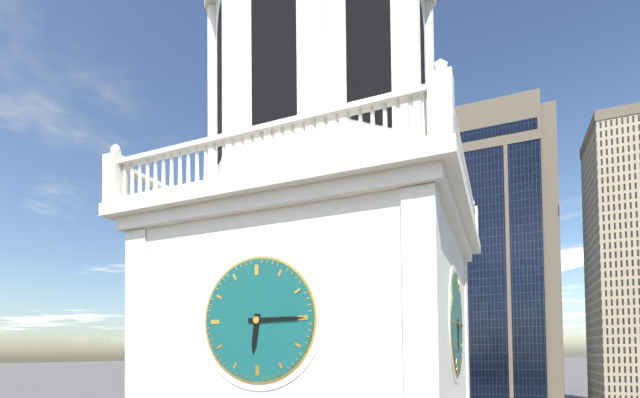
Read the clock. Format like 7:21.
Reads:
6:15
